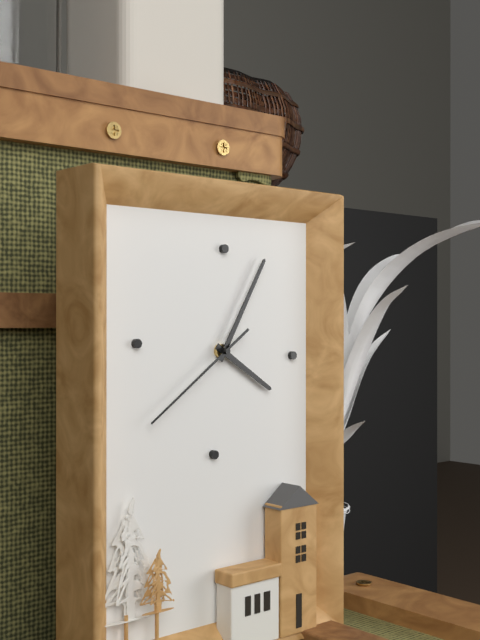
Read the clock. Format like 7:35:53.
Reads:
4:05:39
